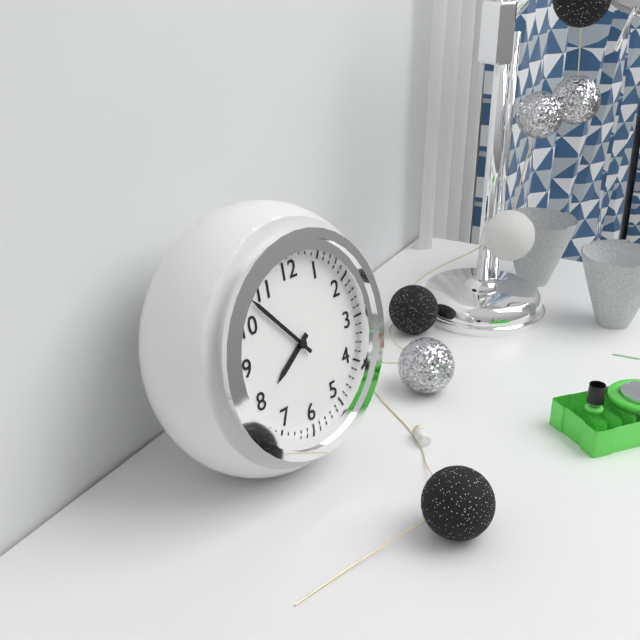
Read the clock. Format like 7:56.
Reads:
7:53
